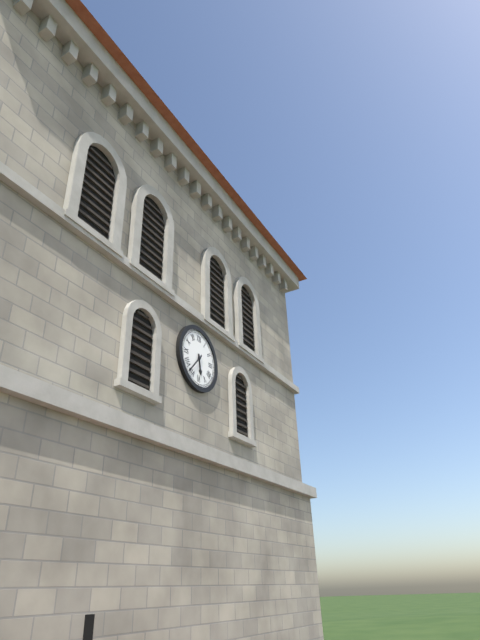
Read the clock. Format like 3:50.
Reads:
5:37
